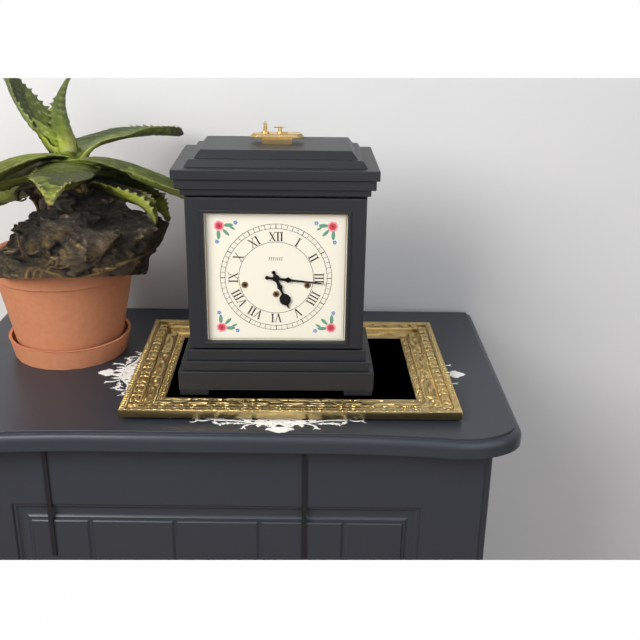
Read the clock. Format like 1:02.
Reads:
5:16
